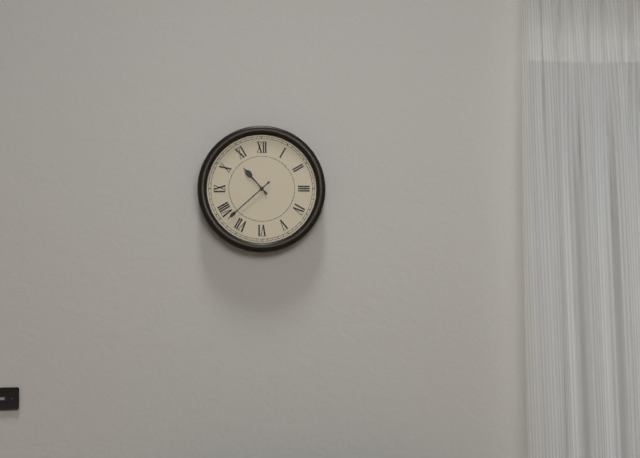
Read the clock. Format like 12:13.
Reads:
10:38
